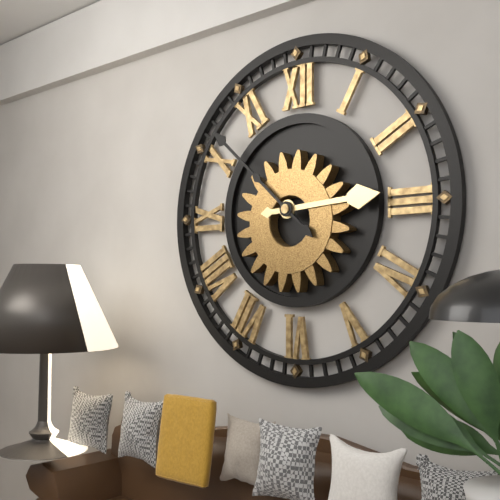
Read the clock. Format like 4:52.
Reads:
2:52
